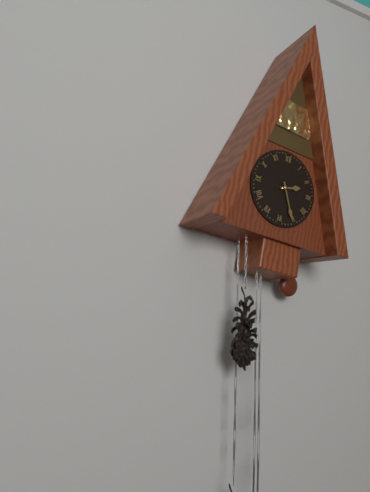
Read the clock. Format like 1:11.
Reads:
2:26
